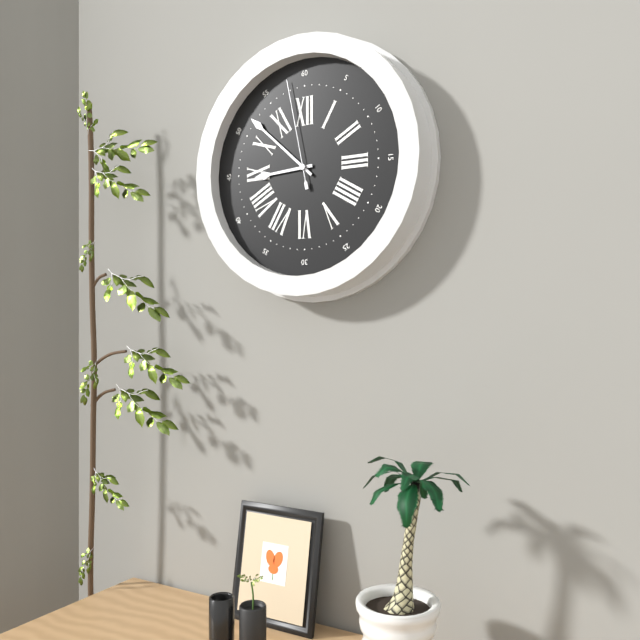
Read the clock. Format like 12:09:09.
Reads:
8:52:58
